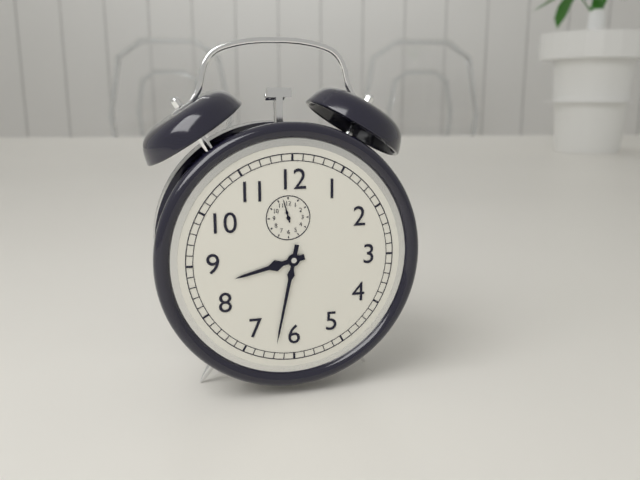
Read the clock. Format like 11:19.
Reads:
8:32
